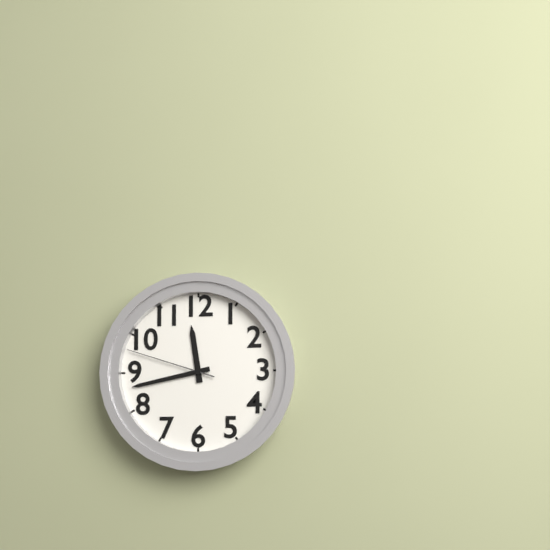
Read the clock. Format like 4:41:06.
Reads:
11:43:48
